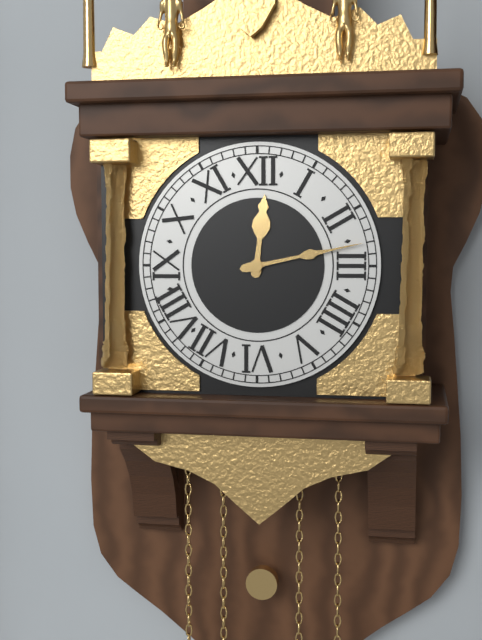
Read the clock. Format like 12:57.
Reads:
12:13
